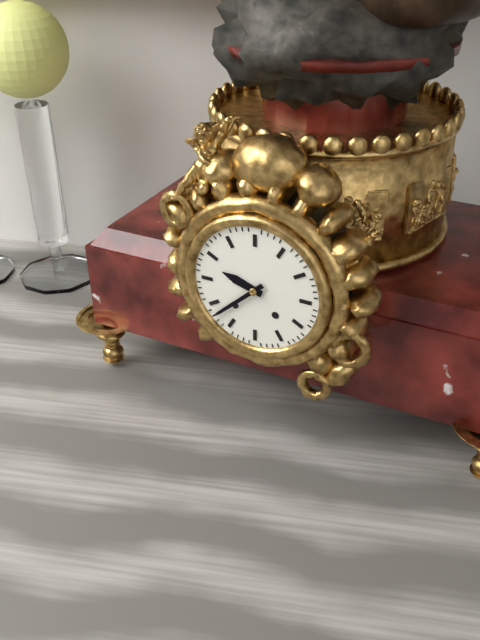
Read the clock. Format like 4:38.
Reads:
9:38
